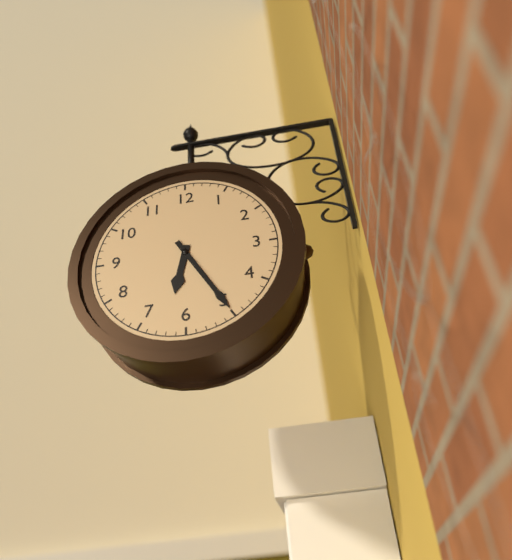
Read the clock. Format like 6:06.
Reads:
6:25
